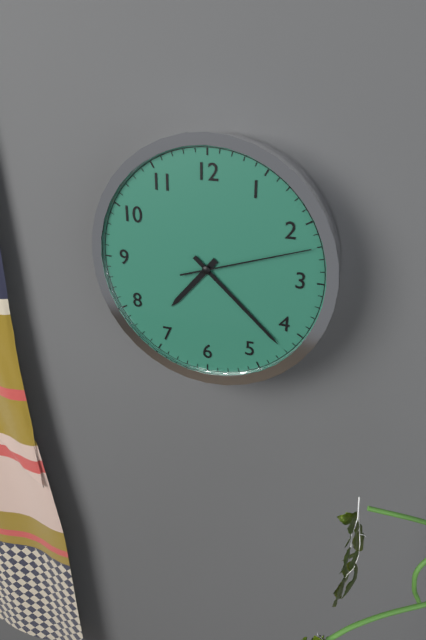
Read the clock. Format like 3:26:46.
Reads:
7:22:12
